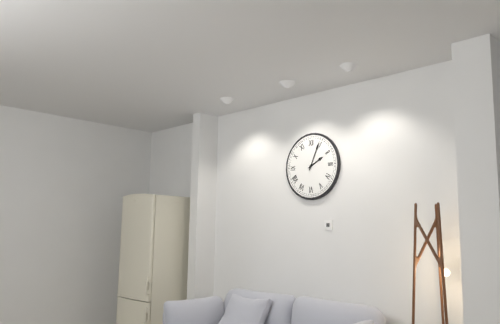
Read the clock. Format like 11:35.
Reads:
2:04
